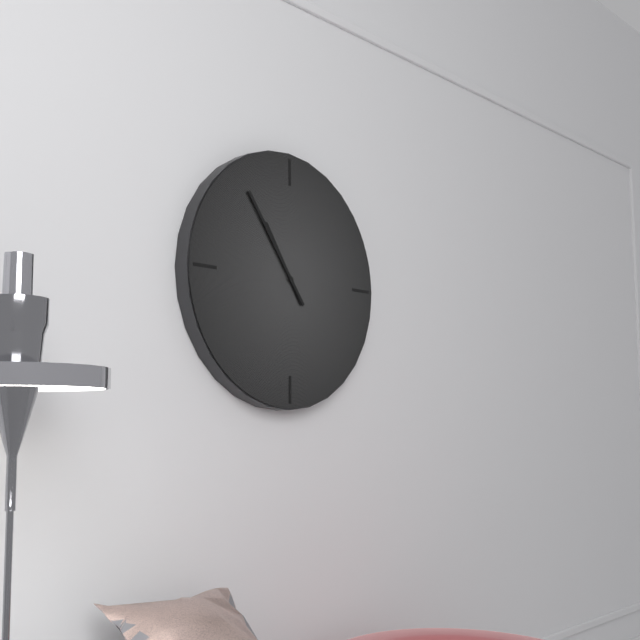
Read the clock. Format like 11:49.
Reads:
10:54
